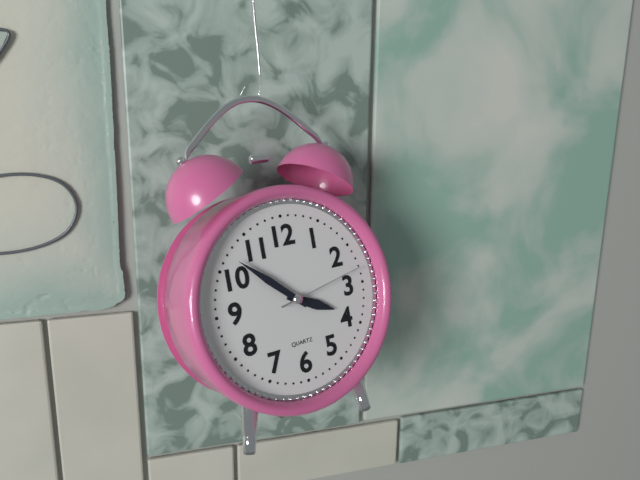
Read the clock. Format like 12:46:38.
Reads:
3:52:13
